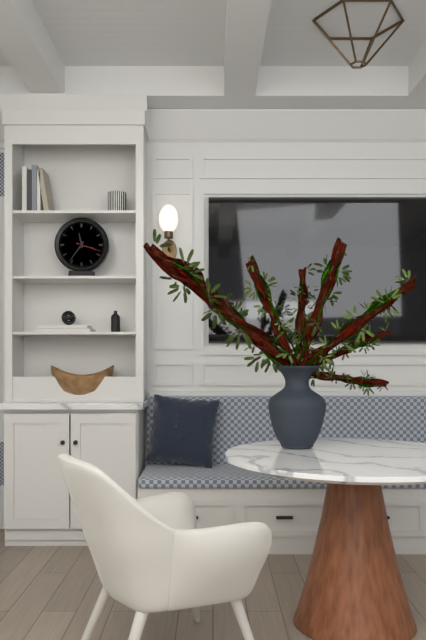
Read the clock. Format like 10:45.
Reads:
11:36
